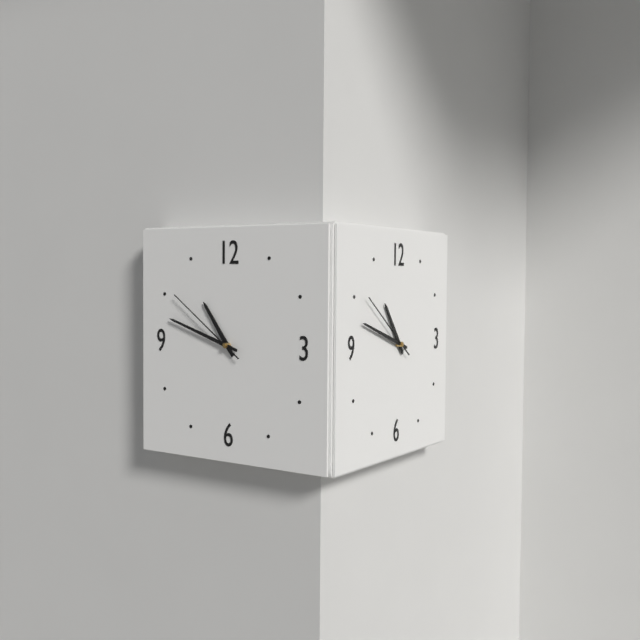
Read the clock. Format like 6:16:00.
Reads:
10:48:51
